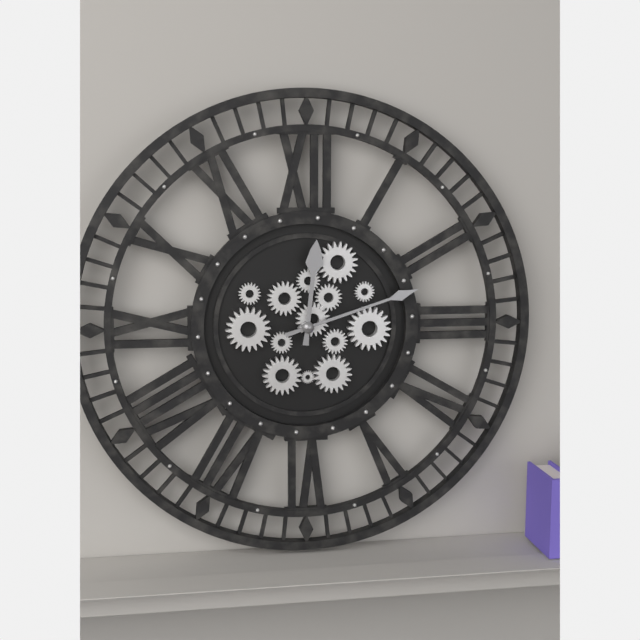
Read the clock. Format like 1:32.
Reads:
12:12
